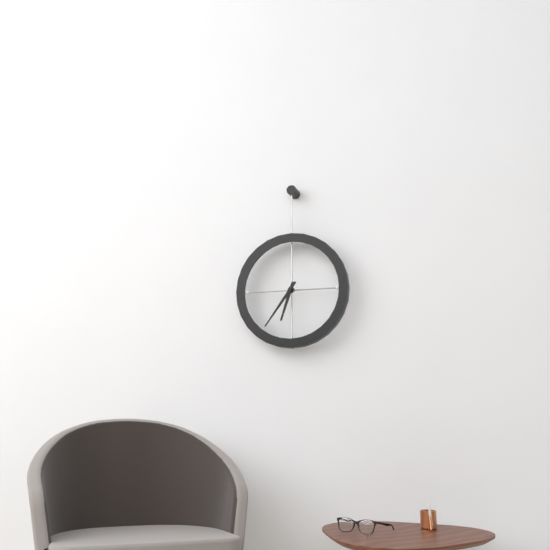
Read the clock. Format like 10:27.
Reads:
6:36
